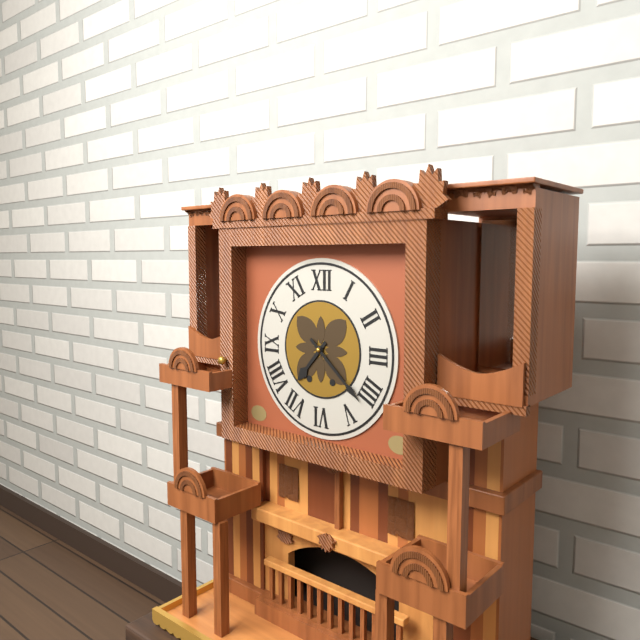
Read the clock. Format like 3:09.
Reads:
7:22
